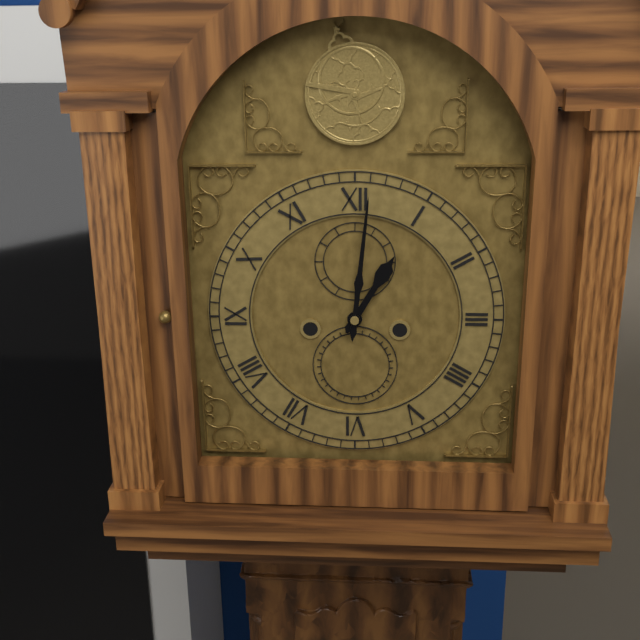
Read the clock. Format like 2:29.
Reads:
1:01
